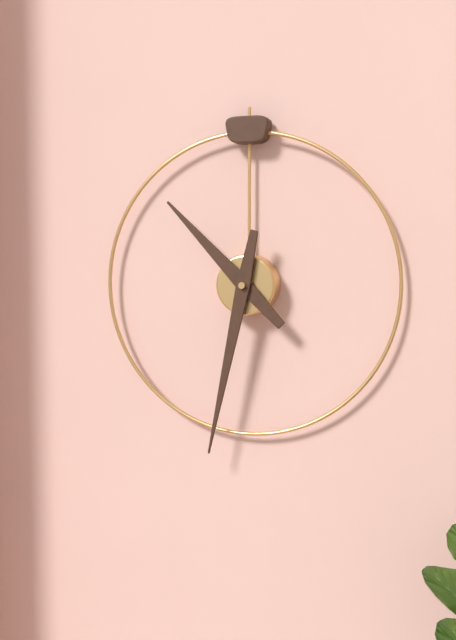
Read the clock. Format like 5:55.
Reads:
10:32
